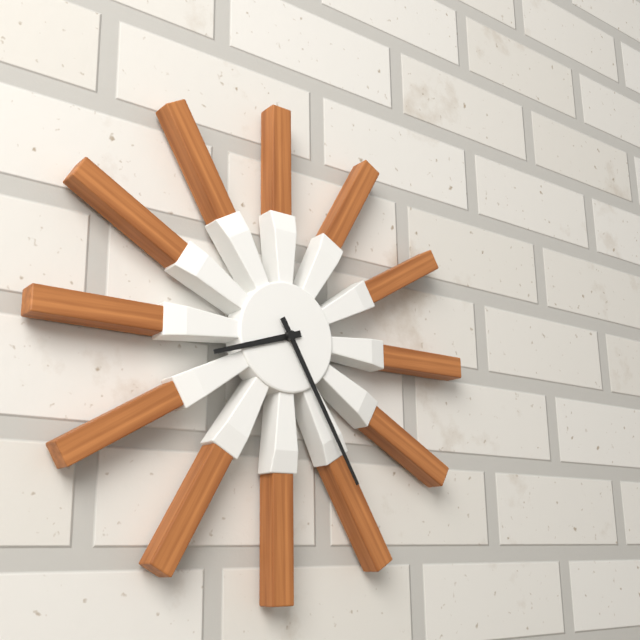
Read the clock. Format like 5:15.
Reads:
8:25
